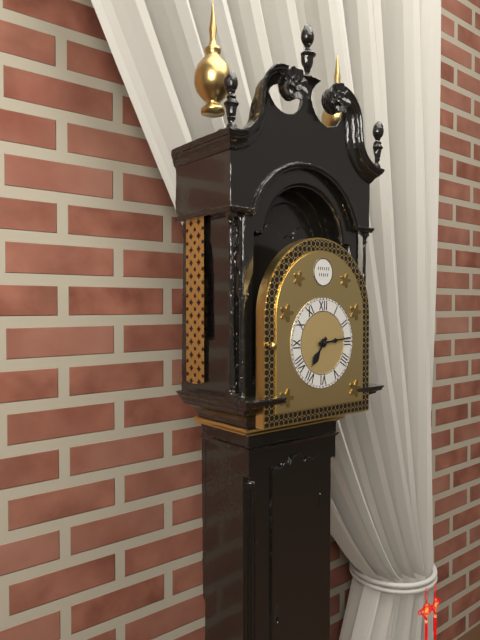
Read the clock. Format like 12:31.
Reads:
7:14
